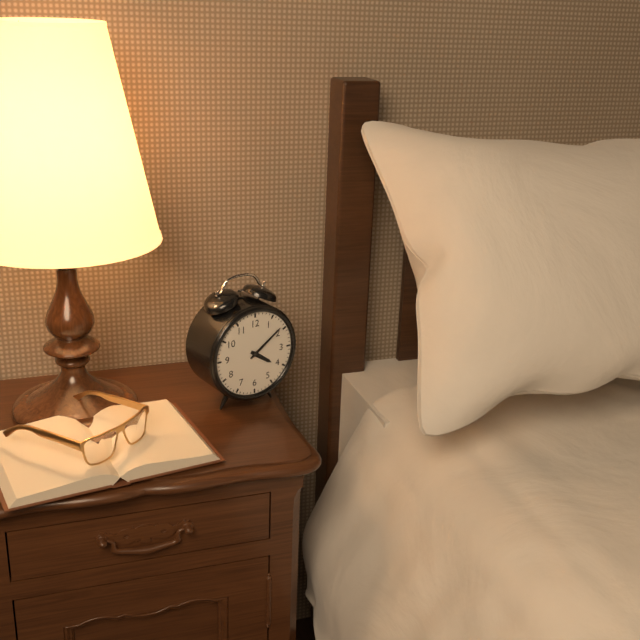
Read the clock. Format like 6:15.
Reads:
4:09
